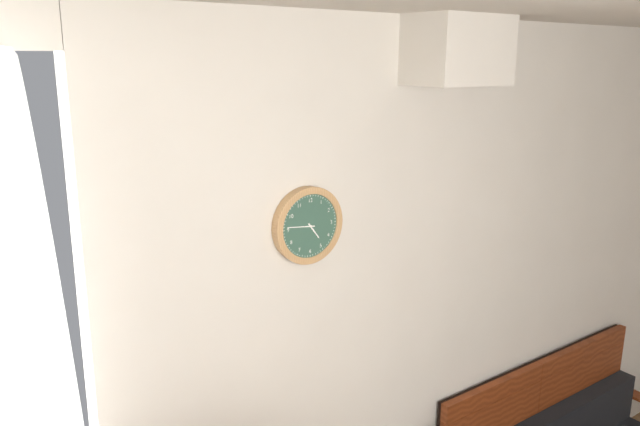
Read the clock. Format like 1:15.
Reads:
4:46
